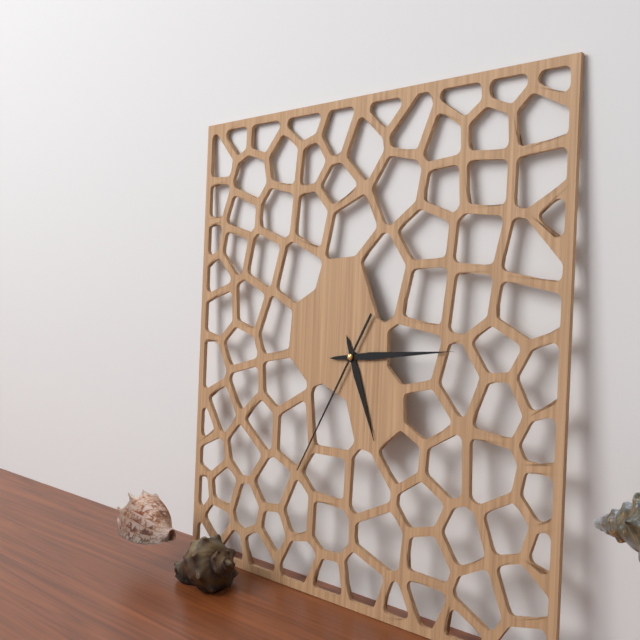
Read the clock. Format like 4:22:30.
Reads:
5:14:35
